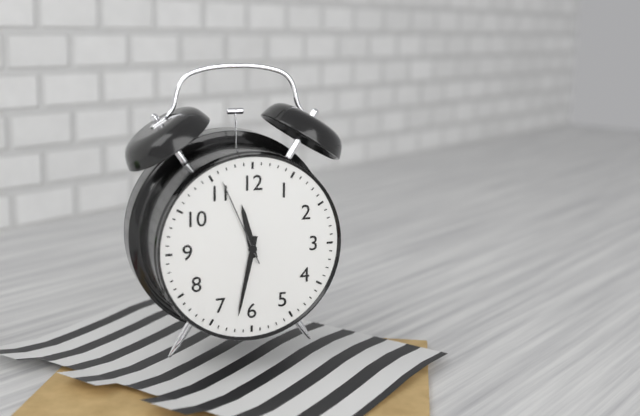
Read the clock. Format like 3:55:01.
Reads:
11:32:56
